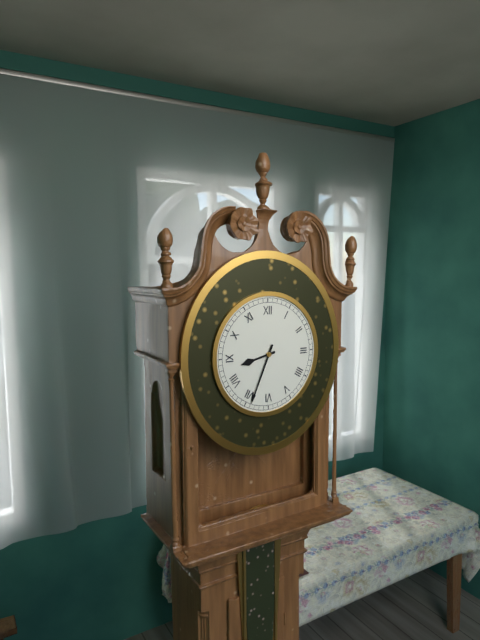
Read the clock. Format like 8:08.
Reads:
8:34
